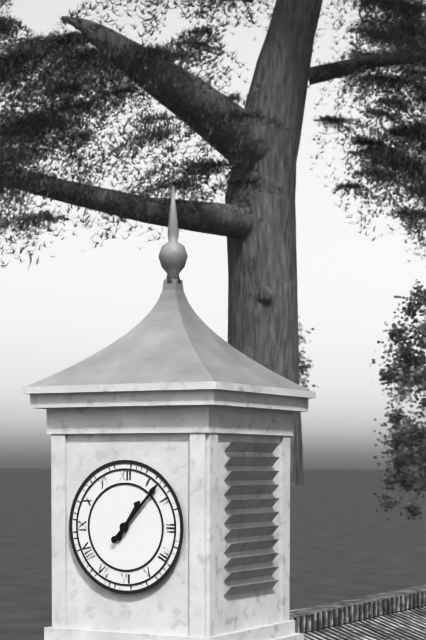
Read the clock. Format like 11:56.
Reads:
1:07
